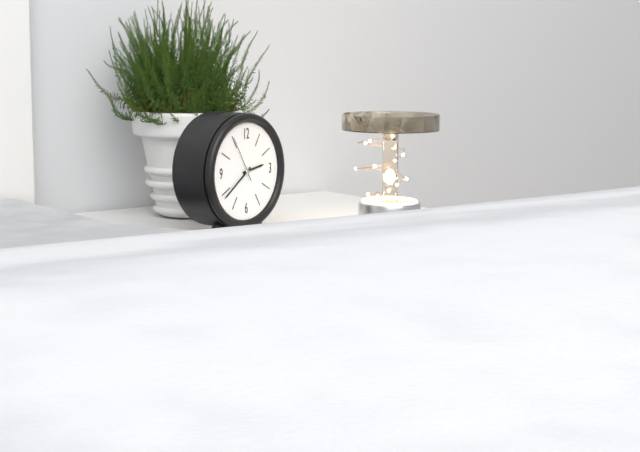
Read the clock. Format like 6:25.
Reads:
2:39
